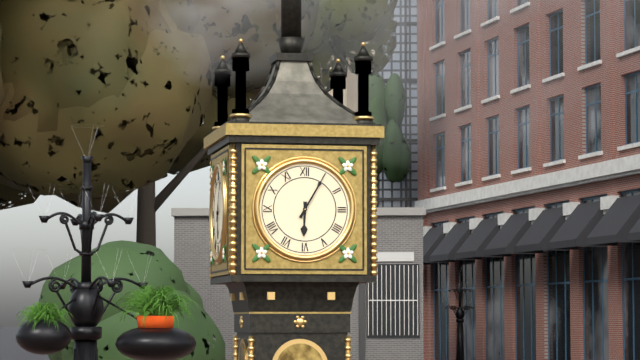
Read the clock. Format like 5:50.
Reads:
6:05
